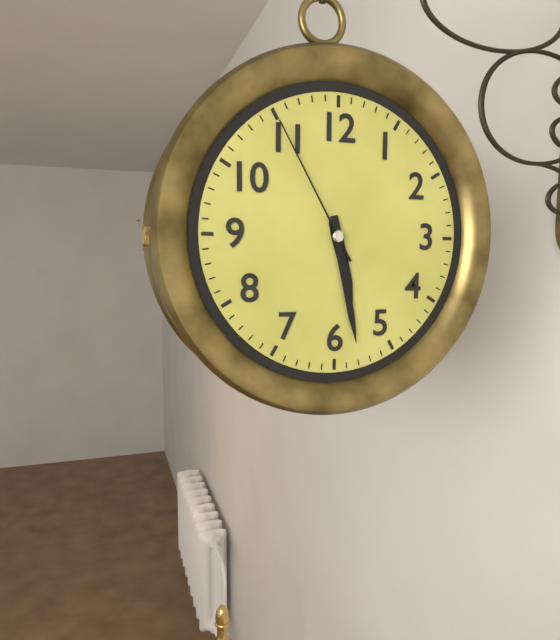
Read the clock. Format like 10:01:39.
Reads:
5:28:55
